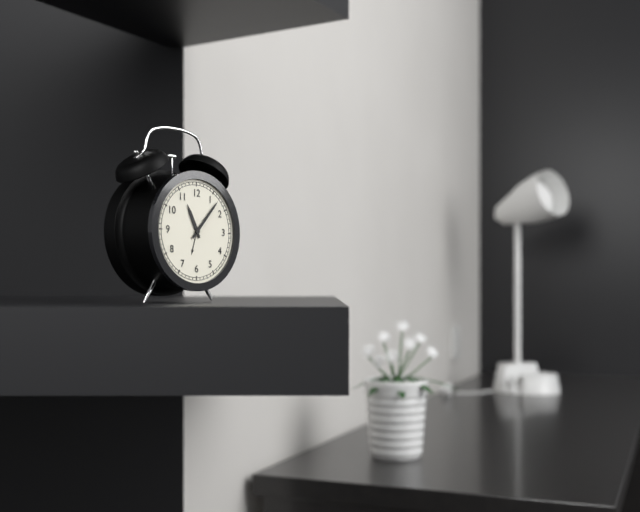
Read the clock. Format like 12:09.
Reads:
11:07
